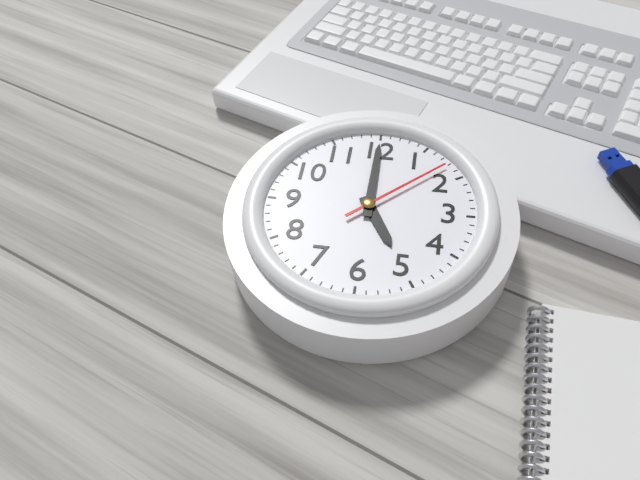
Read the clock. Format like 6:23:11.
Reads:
5:00:08
